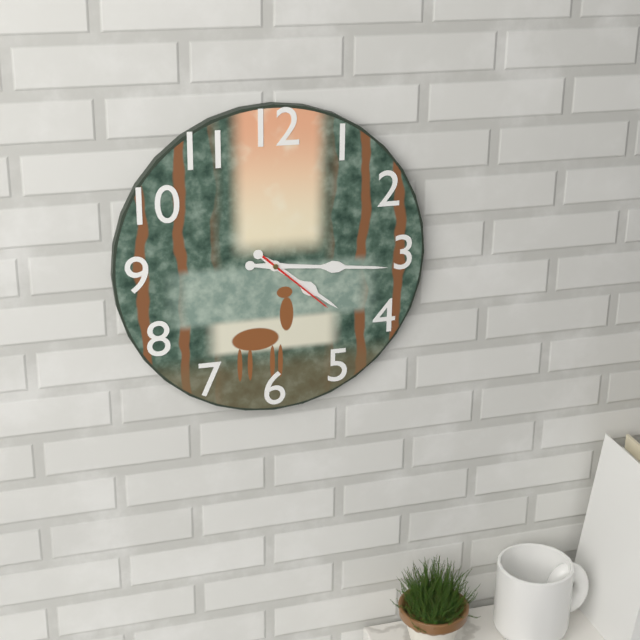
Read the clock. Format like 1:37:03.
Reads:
4:16:22
